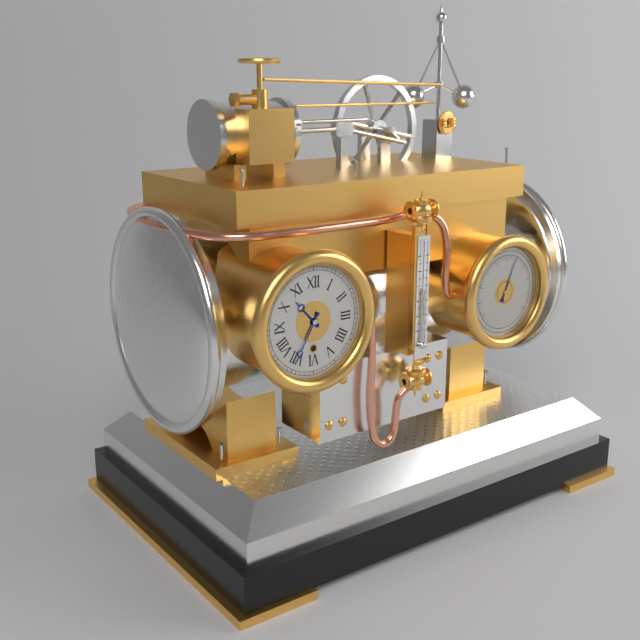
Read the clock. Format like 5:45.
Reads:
10:35
